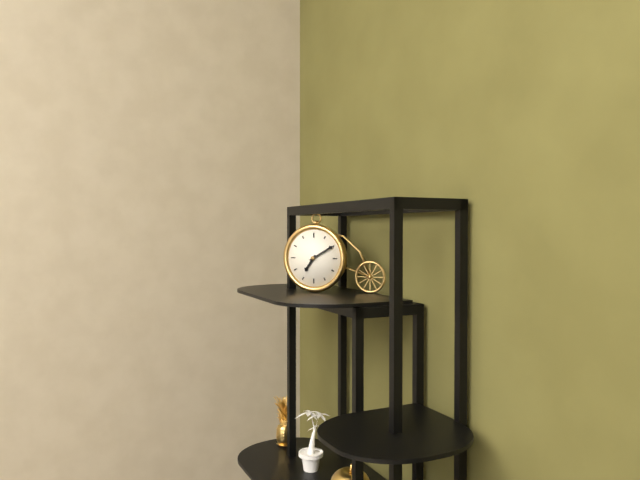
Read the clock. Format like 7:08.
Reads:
7:10
